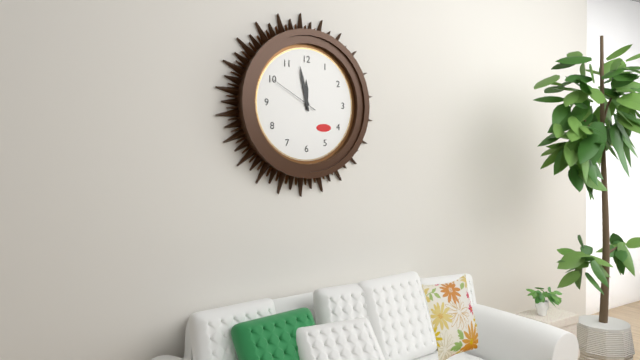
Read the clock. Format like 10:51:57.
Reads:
11:58:50
